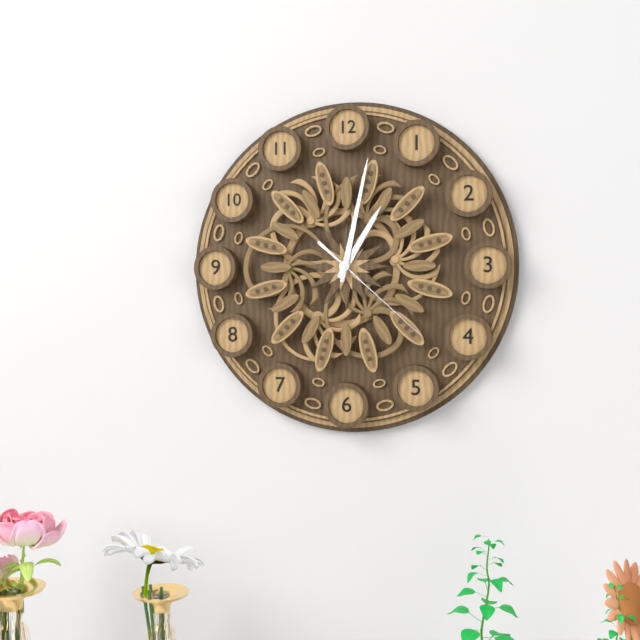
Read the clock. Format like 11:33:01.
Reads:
1:02:22
